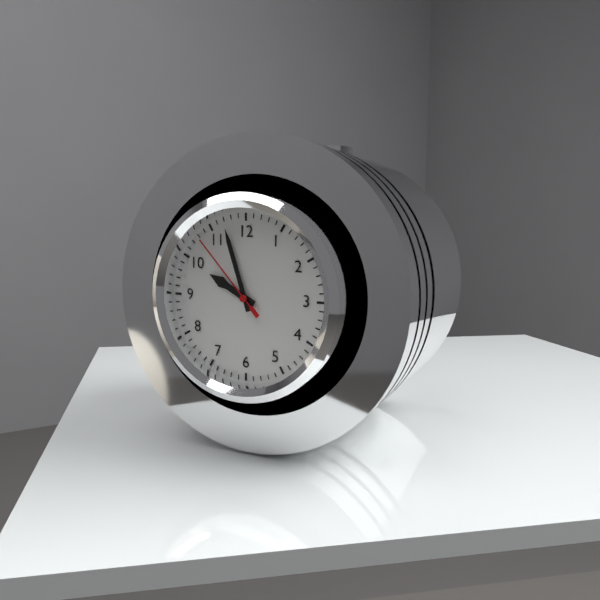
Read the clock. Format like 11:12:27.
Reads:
9:57:53
